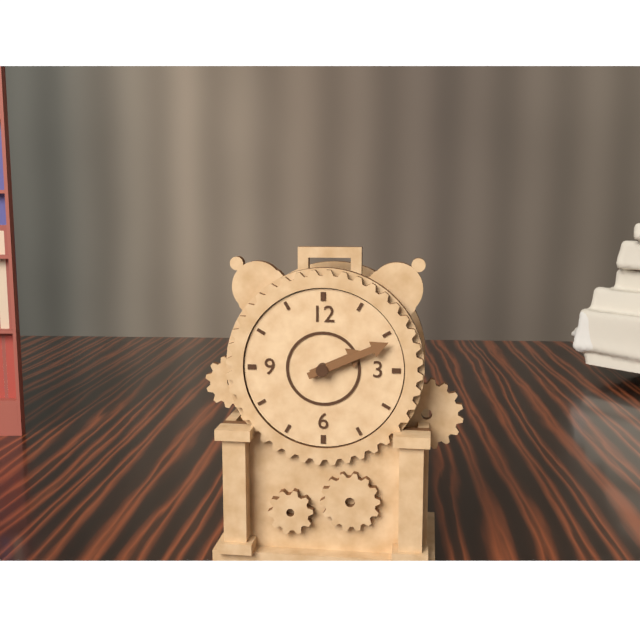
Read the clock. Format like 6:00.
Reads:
2:11
